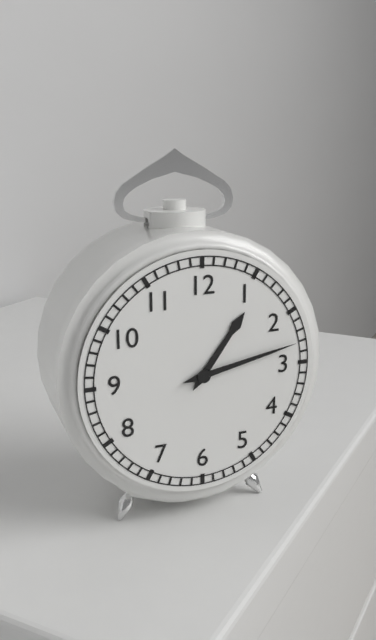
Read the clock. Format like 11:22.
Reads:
1:13
